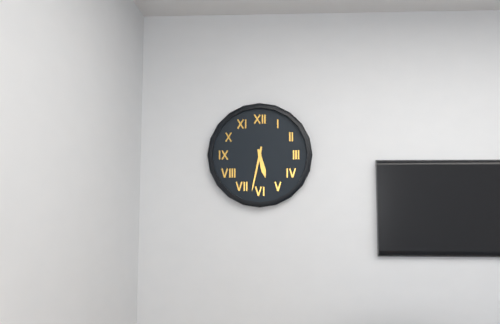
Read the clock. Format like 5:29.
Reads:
5:32
